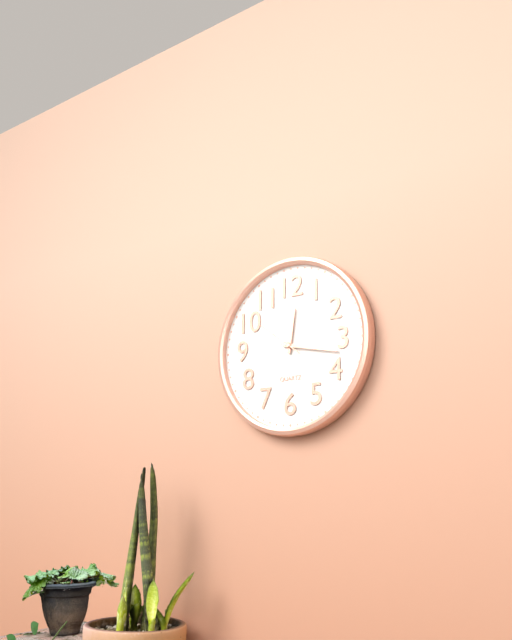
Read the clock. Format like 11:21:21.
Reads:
12:17:51
